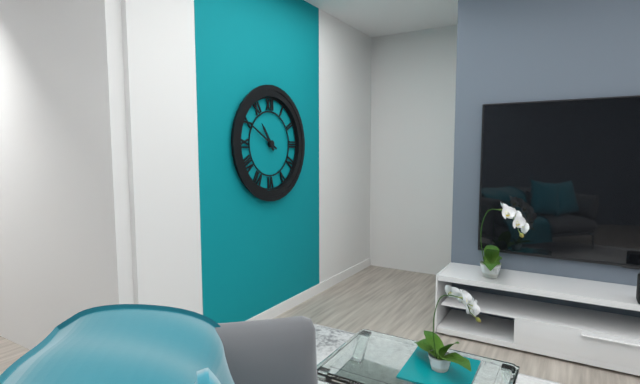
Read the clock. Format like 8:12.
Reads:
10:50
